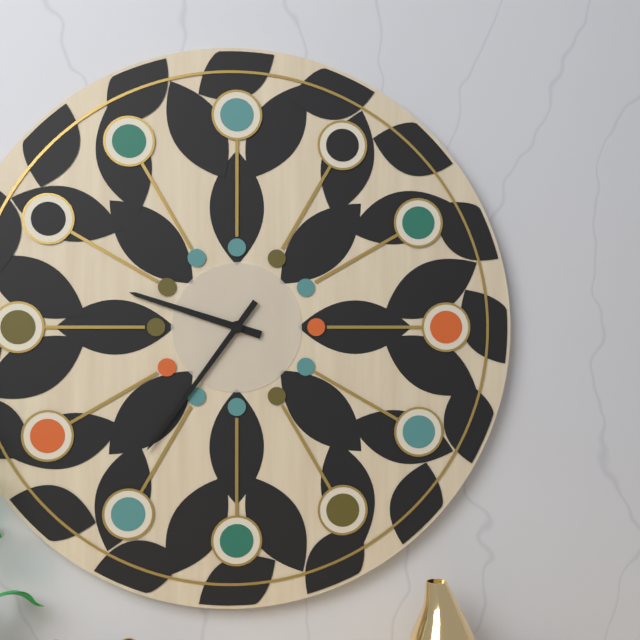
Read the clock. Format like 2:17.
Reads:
9:36
